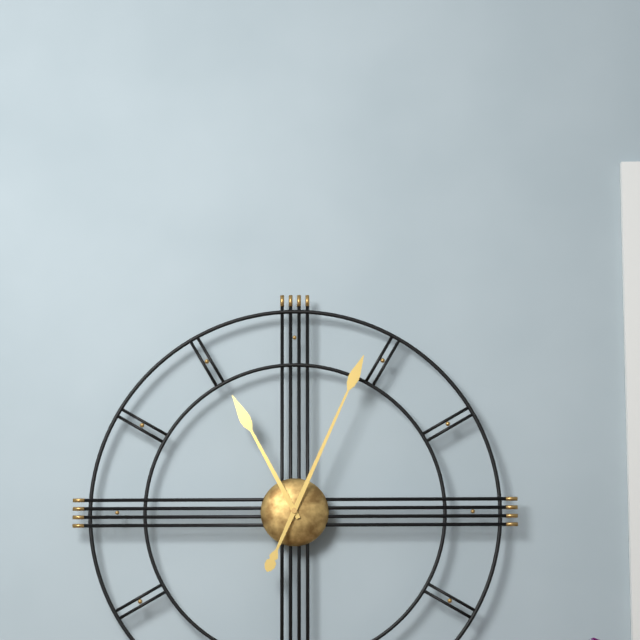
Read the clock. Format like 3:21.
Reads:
11:04
